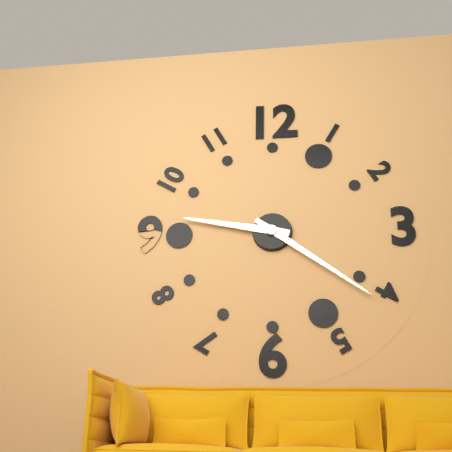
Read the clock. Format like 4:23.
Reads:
9:21
